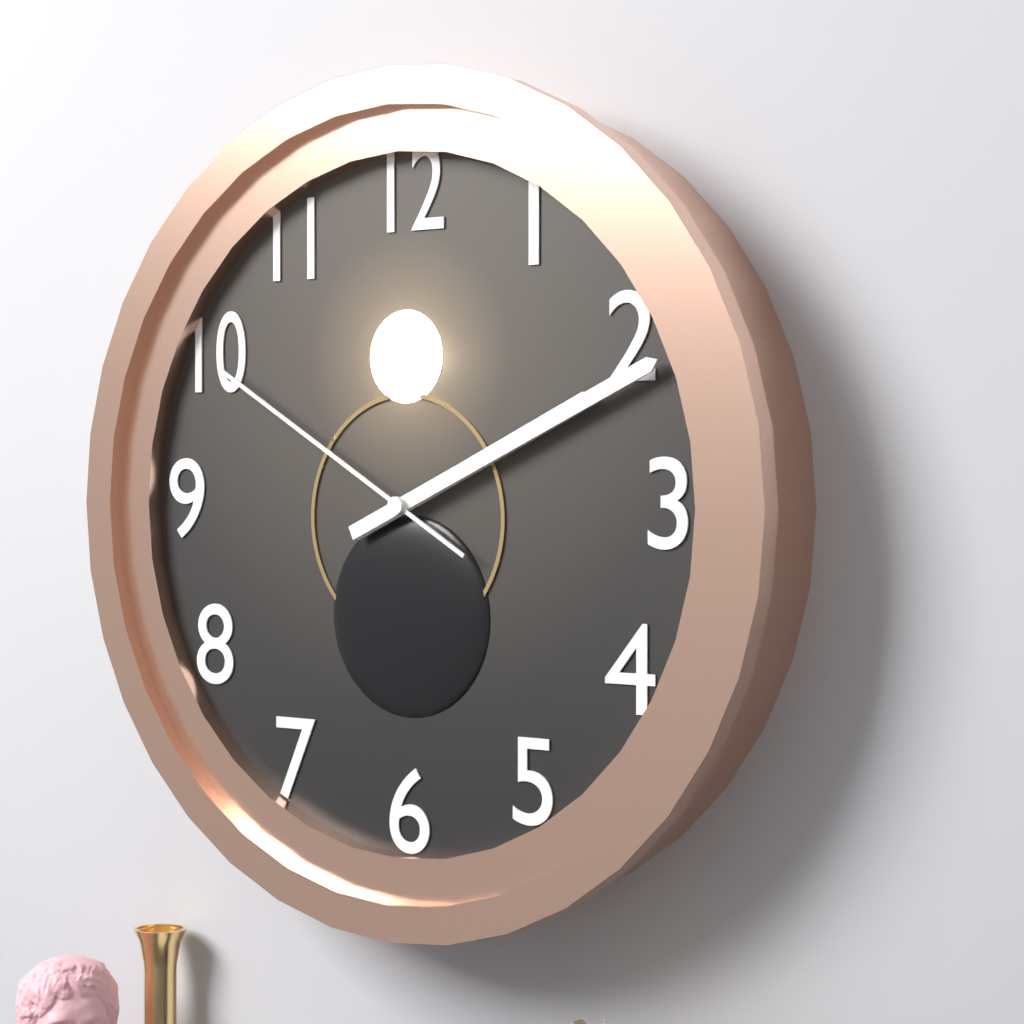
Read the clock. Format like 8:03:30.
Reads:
2:11:50
